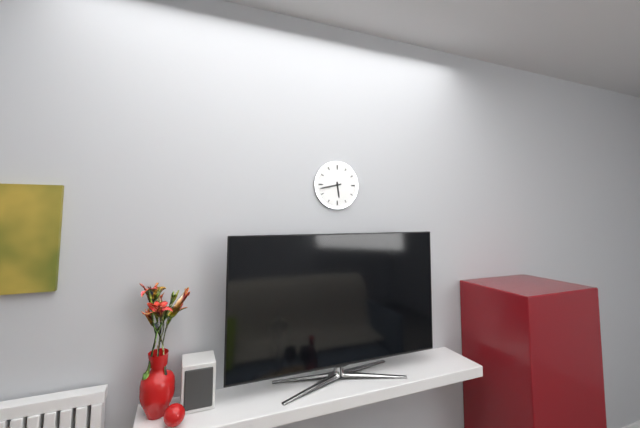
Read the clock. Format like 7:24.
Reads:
5:43
